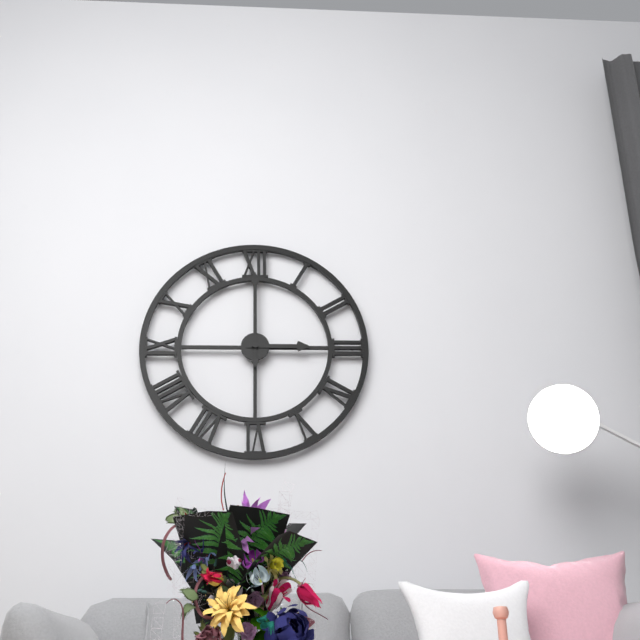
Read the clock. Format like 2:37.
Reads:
3:00
